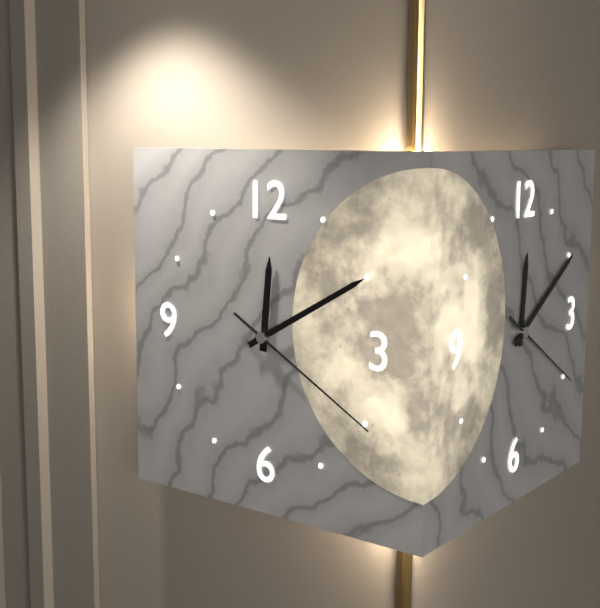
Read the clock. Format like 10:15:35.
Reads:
12:10:20
